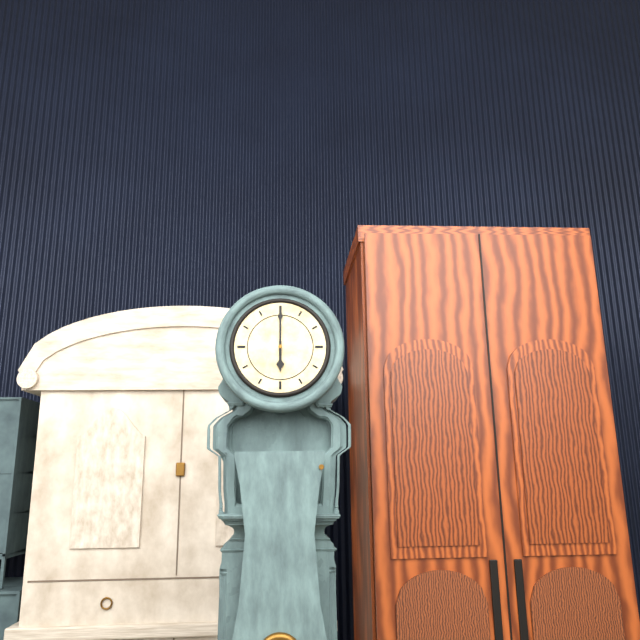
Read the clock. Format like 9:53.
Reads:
6:00
